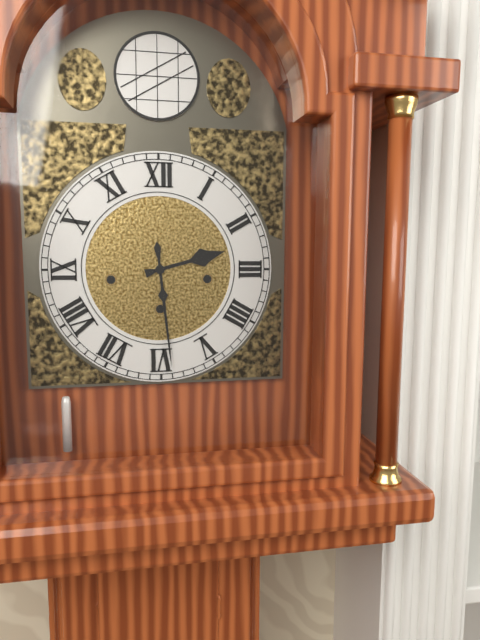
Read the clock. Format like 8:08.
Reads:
2:29
